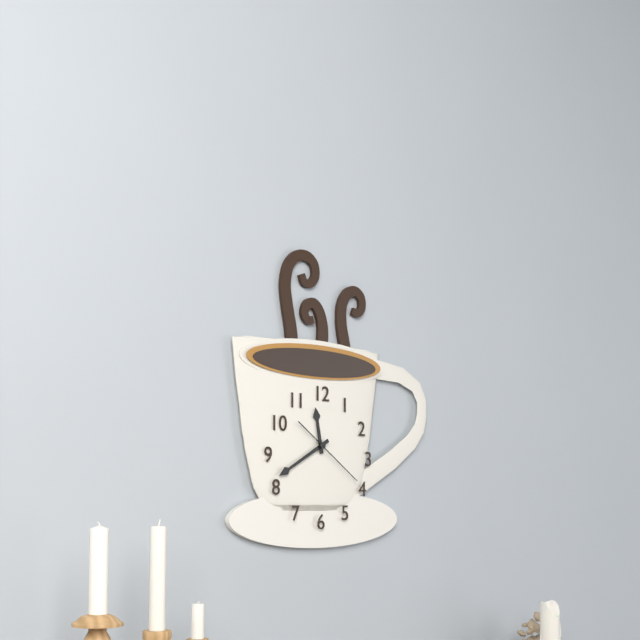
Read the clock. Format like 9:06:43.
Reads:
11:40:21
